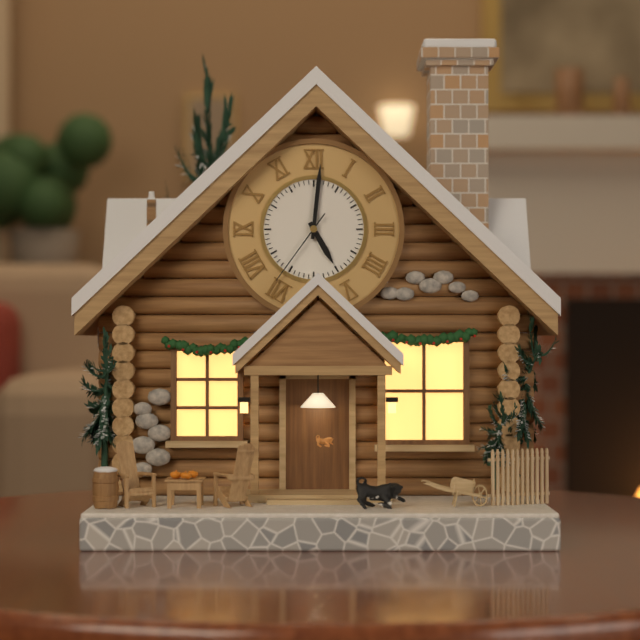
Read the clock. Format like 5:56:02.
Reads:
5:01:36
